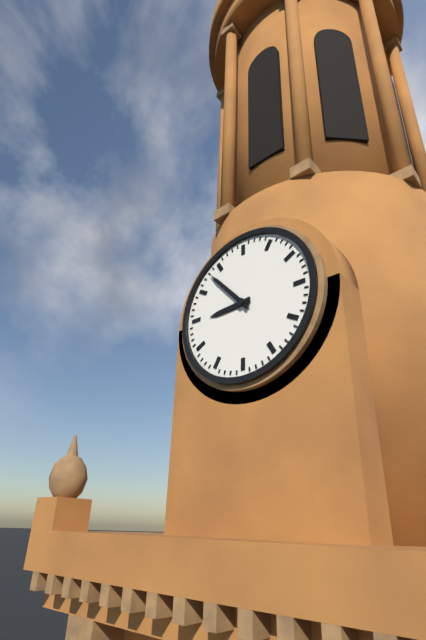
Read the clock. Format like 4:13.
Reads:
8:53
